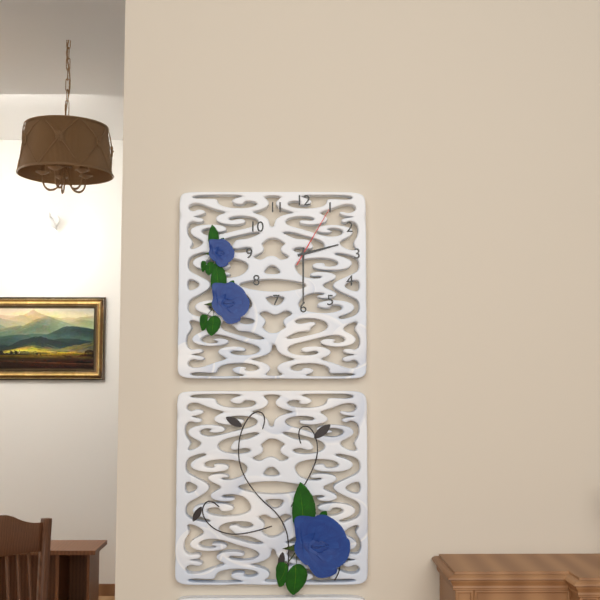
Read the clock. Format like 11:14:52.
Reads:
2:30:05
